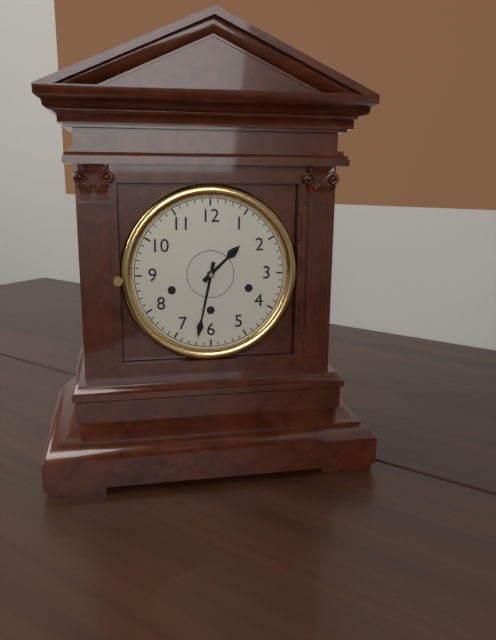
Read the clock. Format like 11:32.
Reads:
1:32
